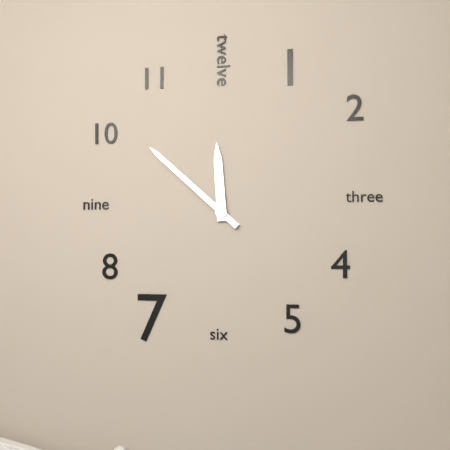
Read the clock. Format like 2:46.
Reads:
11:52
